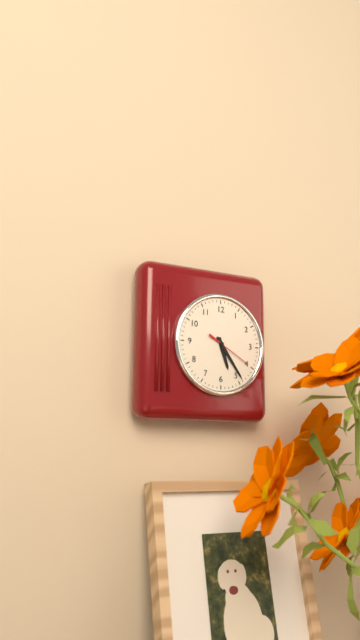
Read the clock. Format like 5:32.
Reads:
5:24
